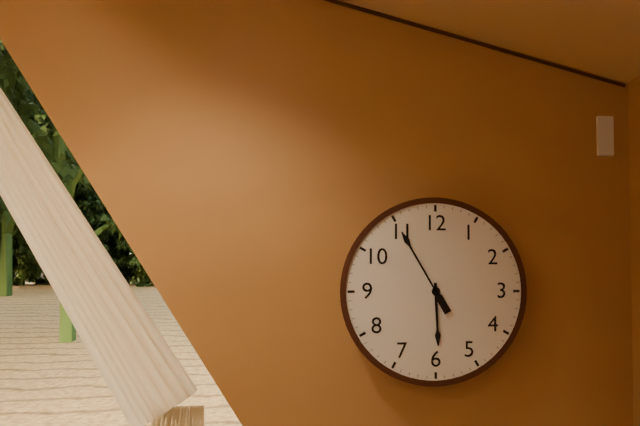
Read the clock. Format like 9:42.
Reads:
5:55
